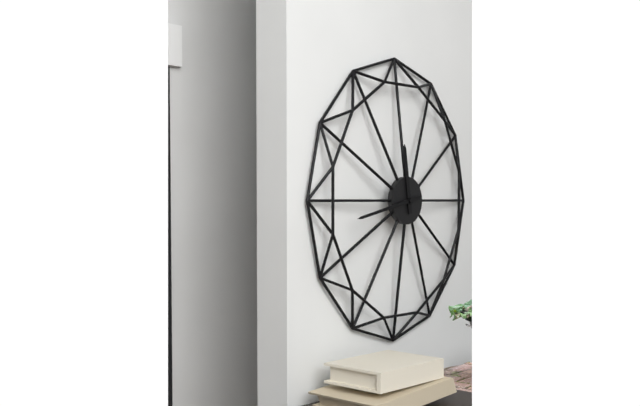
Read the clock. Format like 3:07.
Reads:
11:43
